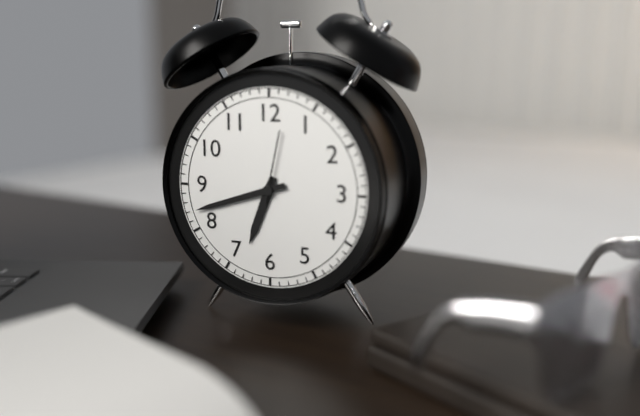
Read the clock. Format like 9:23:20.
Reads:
6:42:02
